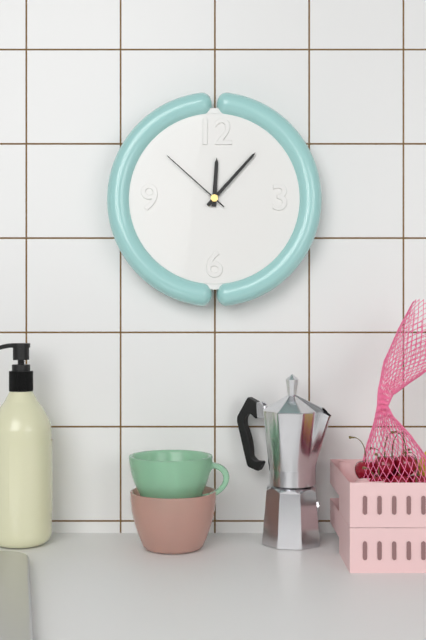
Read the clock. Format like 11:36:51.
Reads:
12:07:52
